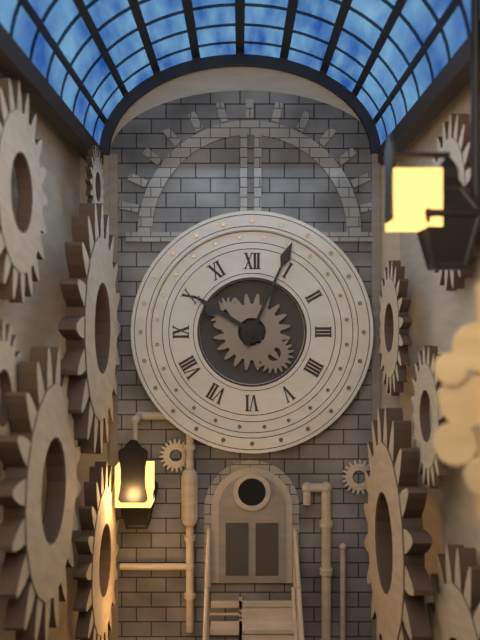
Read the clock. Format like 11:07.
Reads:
10:04
